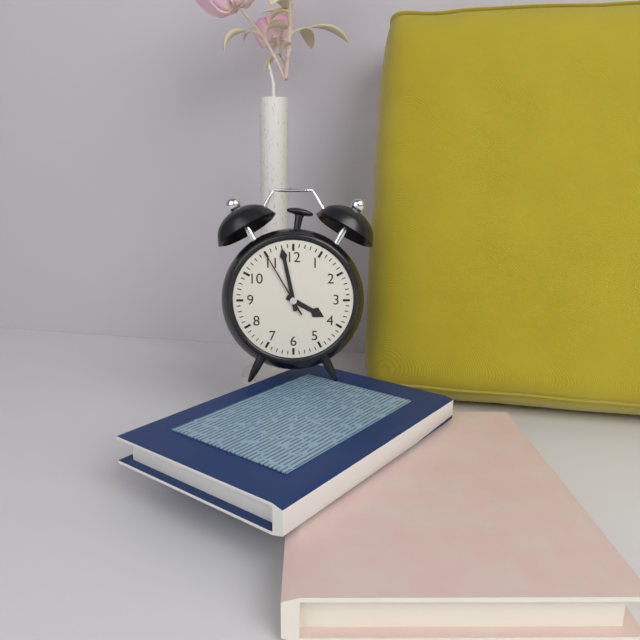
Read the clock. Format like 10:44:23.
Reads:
3:58:55
